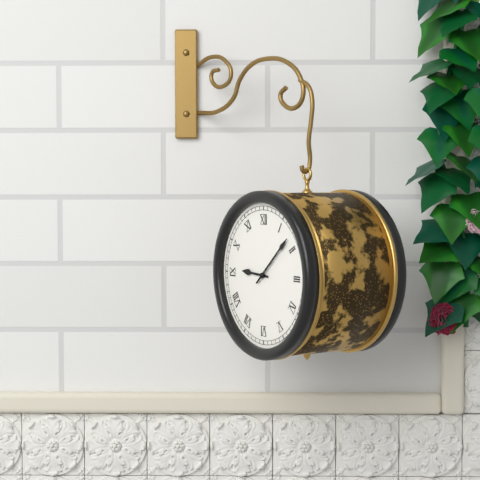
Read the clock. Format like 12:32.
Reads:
9:08
